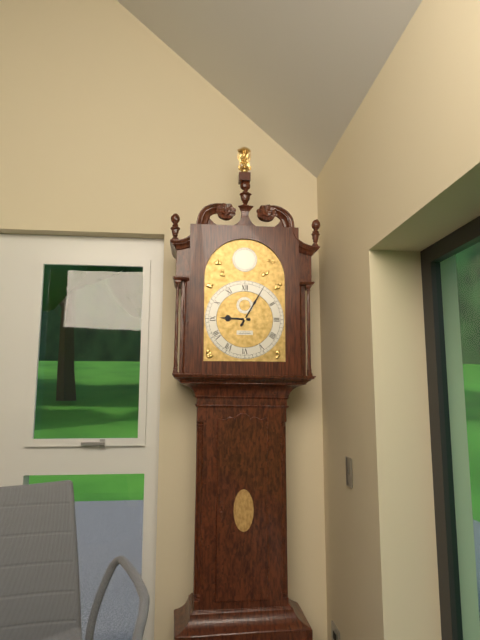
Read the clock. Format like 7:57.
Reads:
9:05
